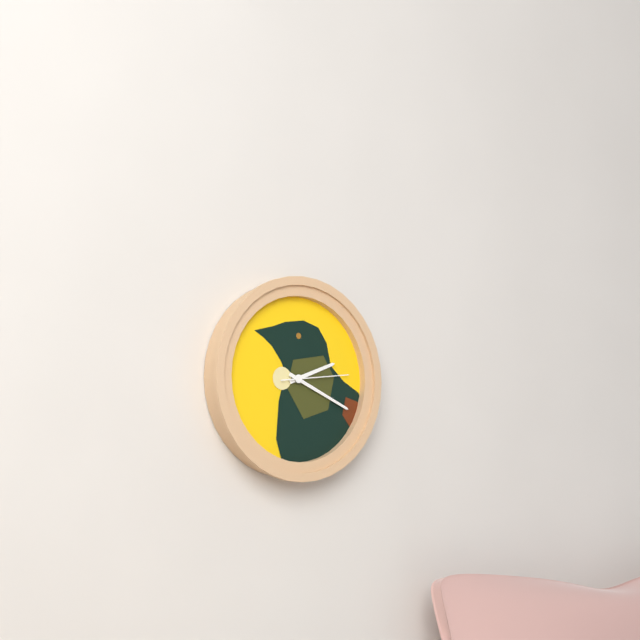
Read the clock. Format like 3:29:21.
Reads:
2:19:14
